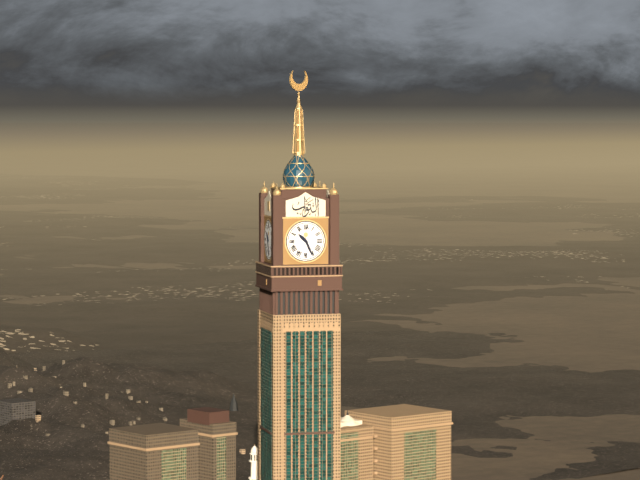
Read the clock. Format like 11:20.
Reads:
10:26
